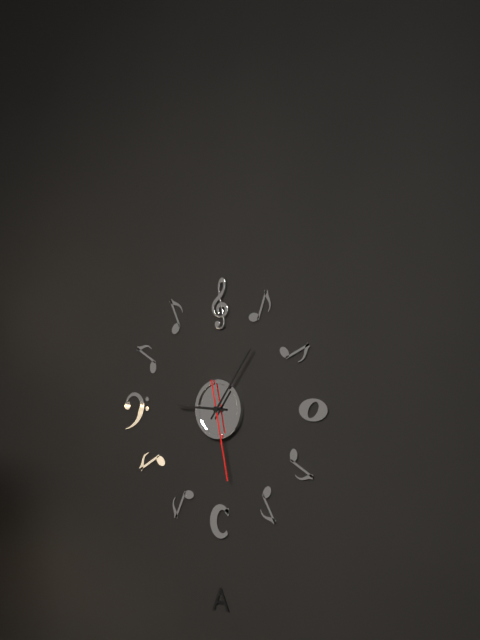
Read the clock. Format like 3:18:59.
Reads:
9:06:28
